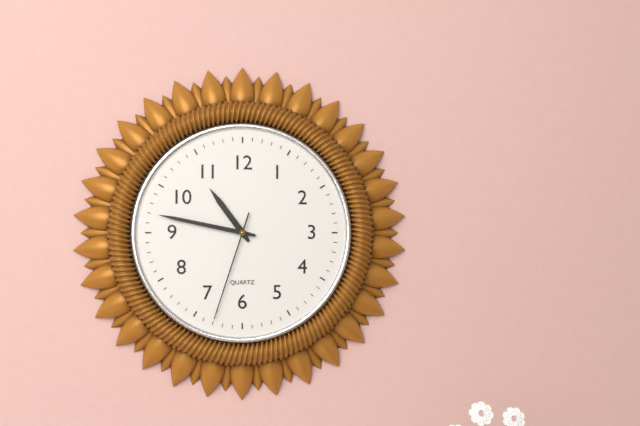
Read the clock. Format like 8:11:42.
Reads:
10:47:33
